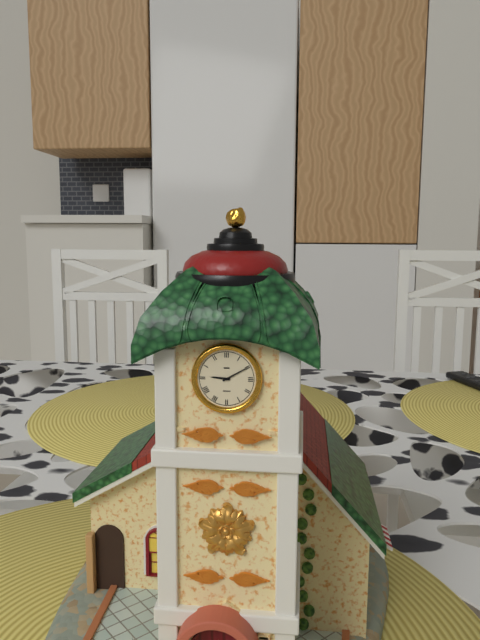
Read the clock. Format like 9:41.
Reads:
9:10
